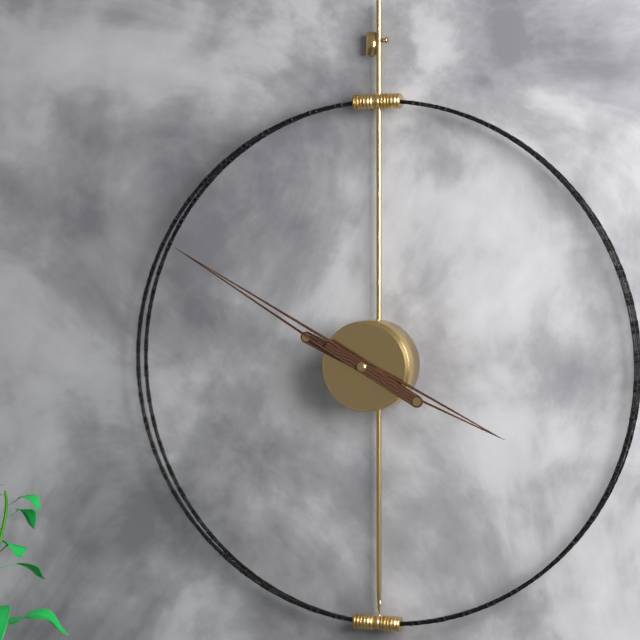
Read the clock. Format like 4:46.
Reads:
3:50
